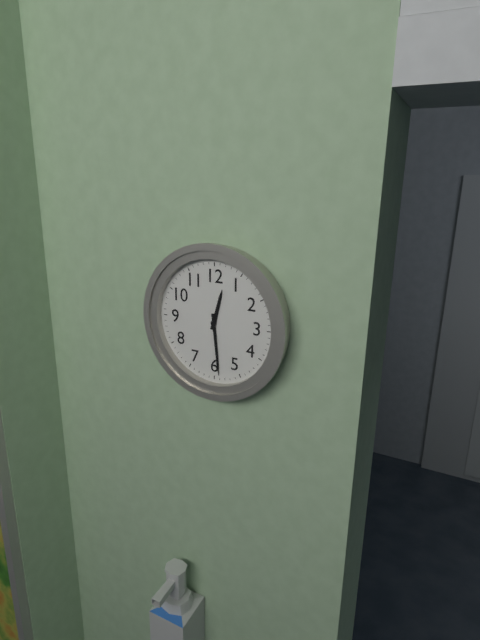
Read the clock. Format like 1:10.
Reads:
12:29
